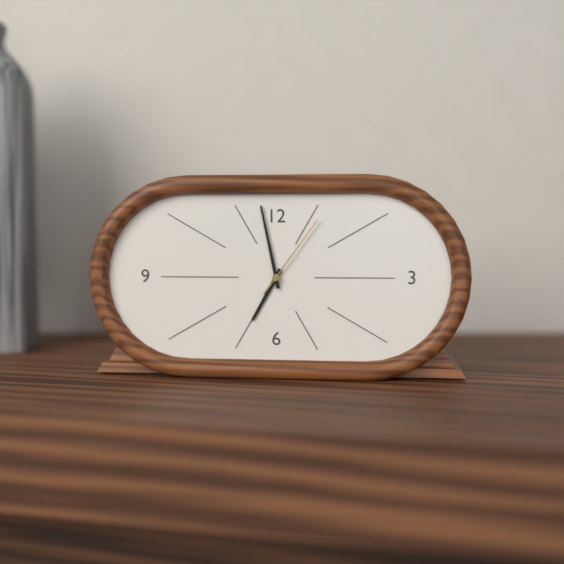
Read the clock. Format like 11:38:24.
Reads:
6:58:06
